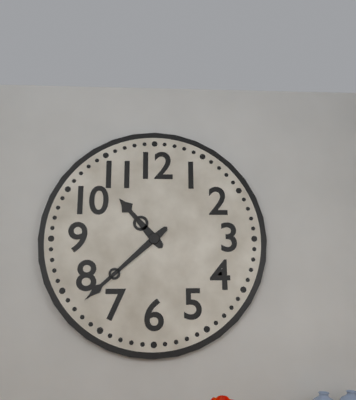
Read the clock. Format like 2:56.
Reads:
10:38
